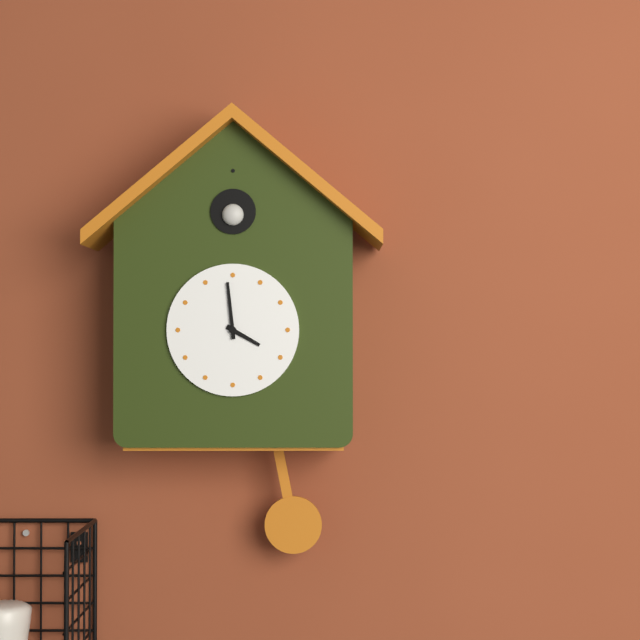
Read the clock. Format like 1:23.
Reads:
3:59
